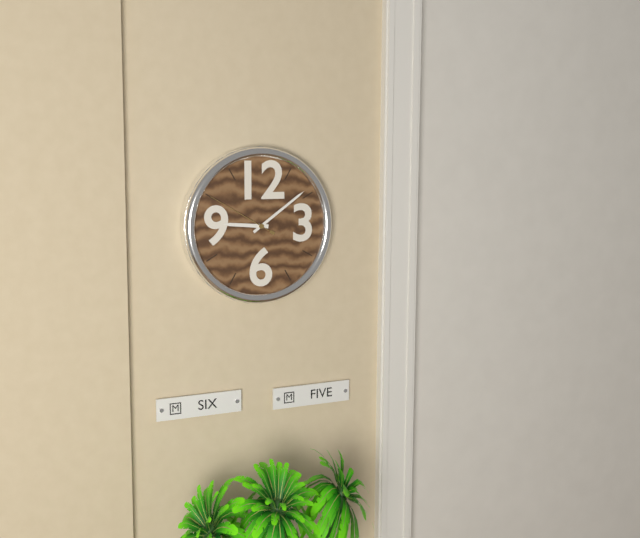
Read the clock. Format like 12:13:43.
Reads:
9:09:50
